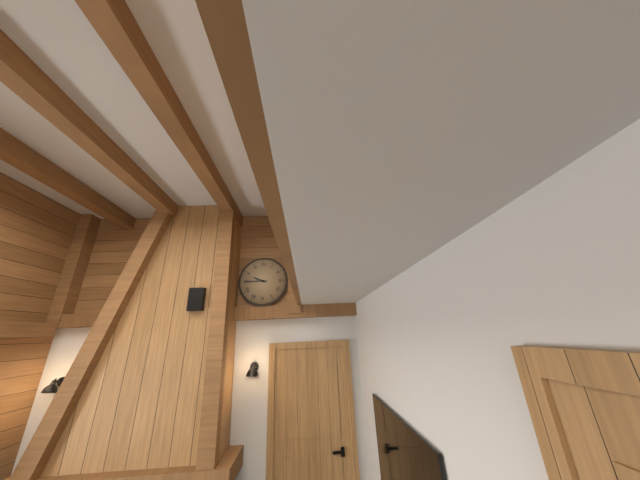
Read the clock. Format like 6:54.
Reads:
9:45
